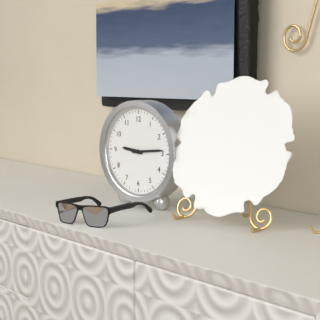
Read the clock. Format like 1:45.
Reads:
9:14
